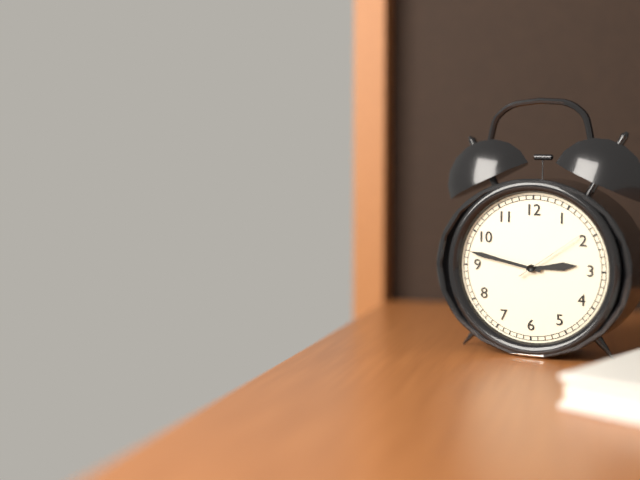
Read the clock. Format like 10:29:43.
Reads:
2:47:09
